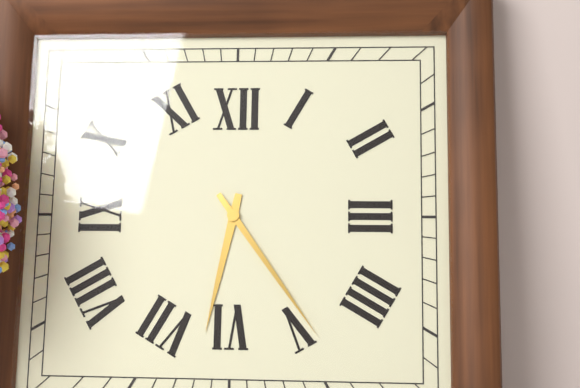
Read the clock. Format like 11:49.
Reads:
6:24
